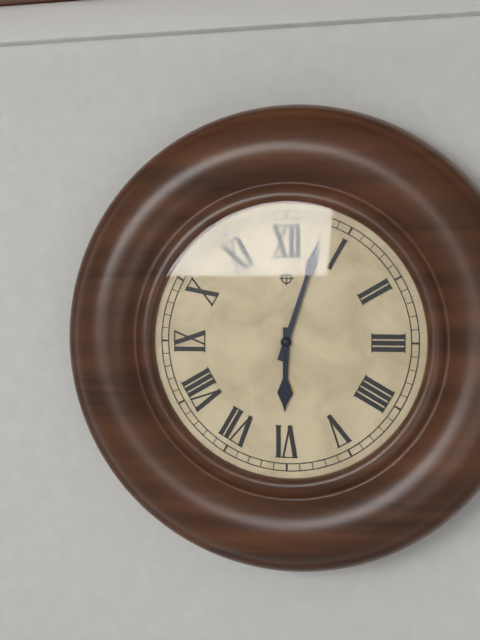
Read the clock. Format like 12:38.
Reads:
6:03
